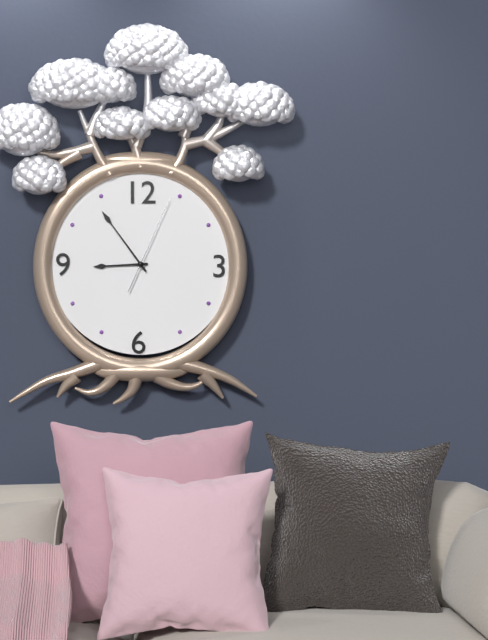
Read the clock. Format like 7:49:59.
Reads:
8:54:04
